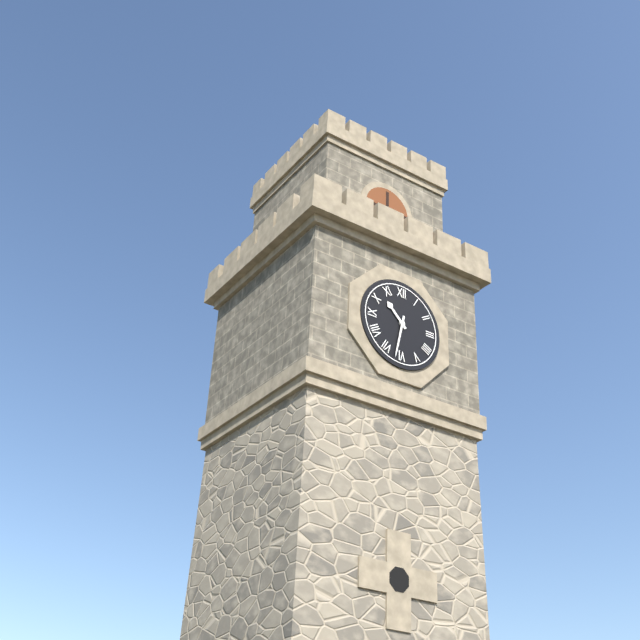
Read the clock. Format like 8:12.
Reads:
10:32
